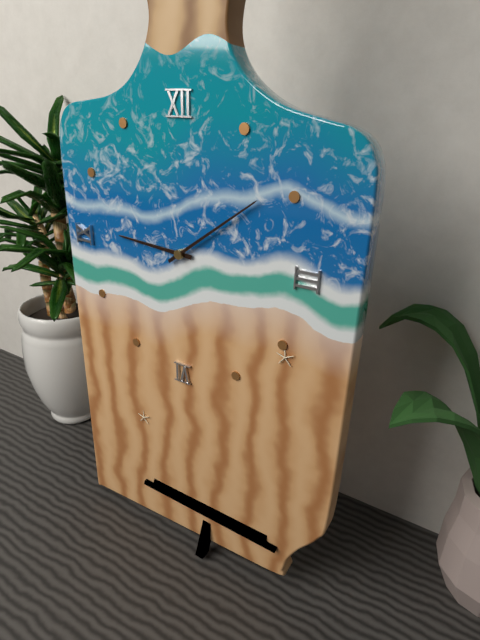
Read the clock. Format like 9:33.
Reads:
9:09
